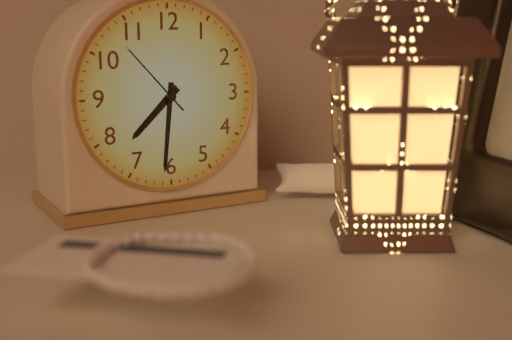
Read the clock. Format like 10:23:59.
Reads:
7:31:53
